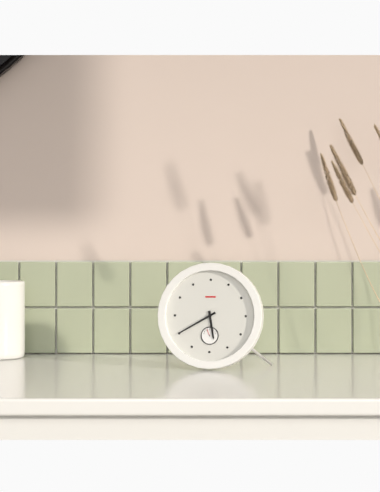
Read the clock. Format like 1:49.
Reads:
5:40
